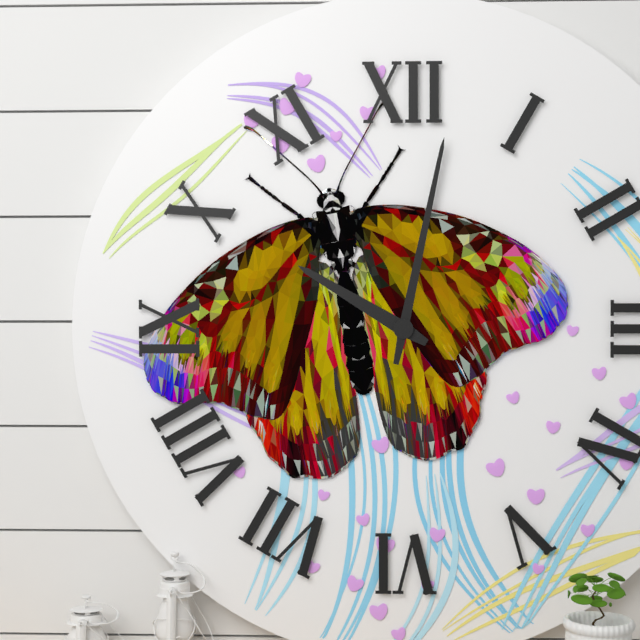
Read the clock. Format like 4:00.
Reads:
10:02
